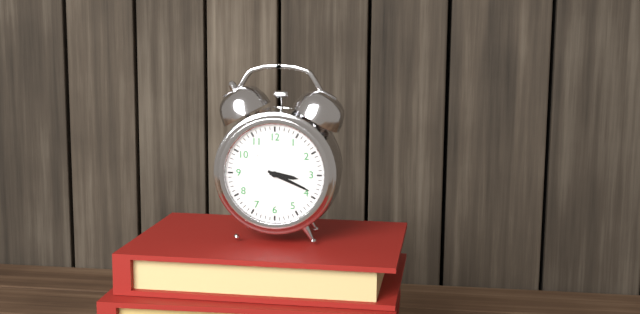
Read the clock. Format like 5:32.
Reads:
3:19
